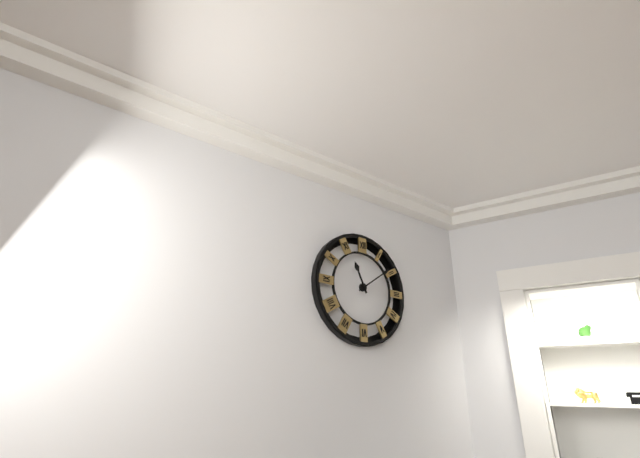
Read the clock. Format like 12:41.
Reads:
11:09
